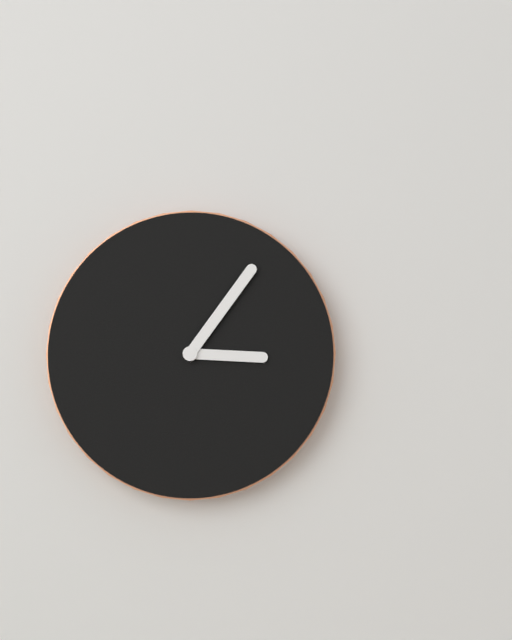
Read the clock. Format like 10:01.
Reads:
3:06
